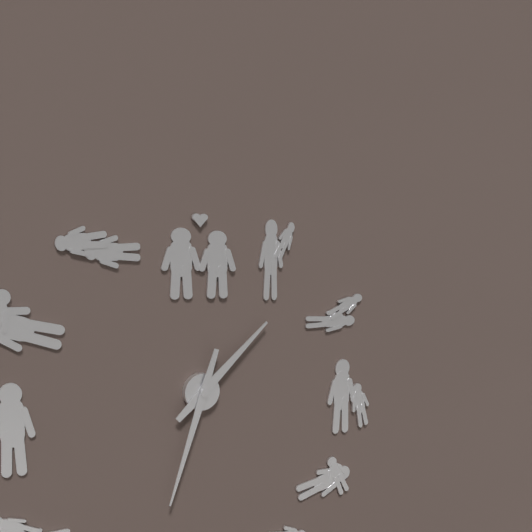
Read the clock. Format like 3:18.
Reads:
1:33
